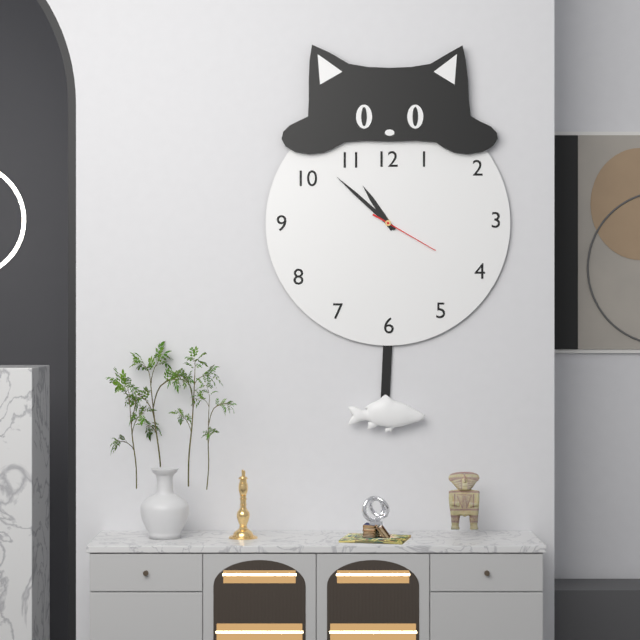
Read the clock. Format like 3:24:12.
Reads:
10:52:20
